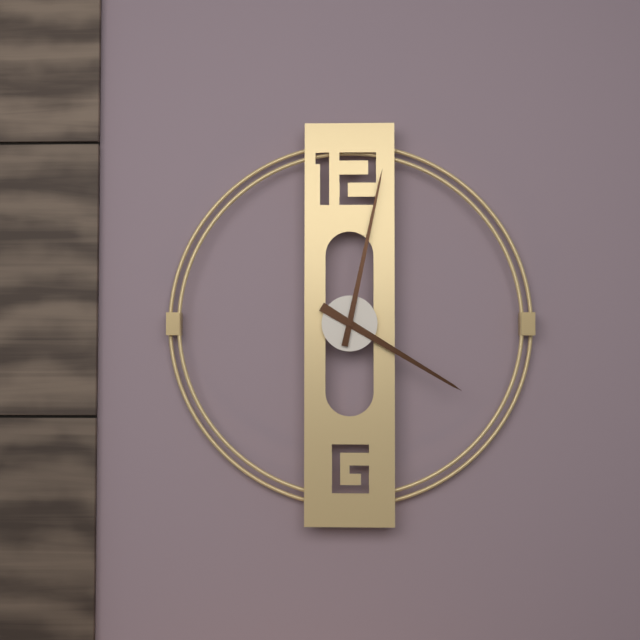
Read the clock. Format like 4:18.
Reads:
4:02
